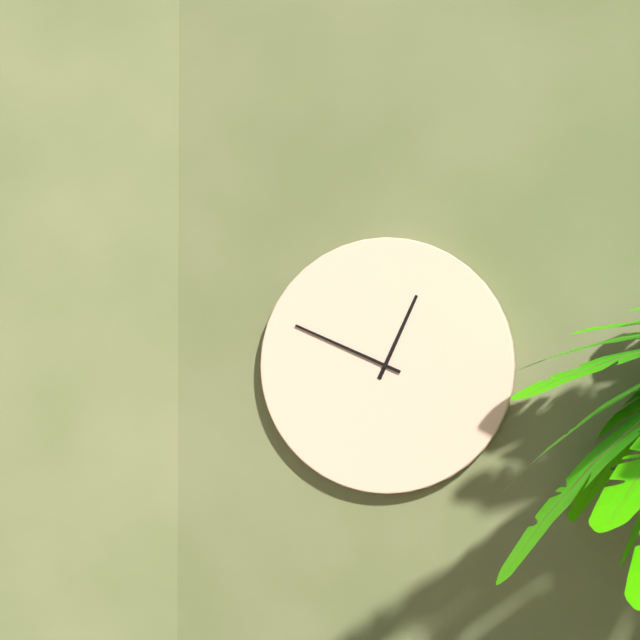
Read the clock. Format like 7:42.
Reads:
12:49
